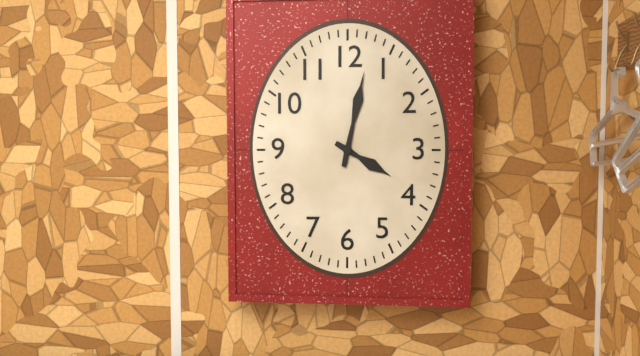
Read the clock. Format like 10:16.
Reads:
4:02
